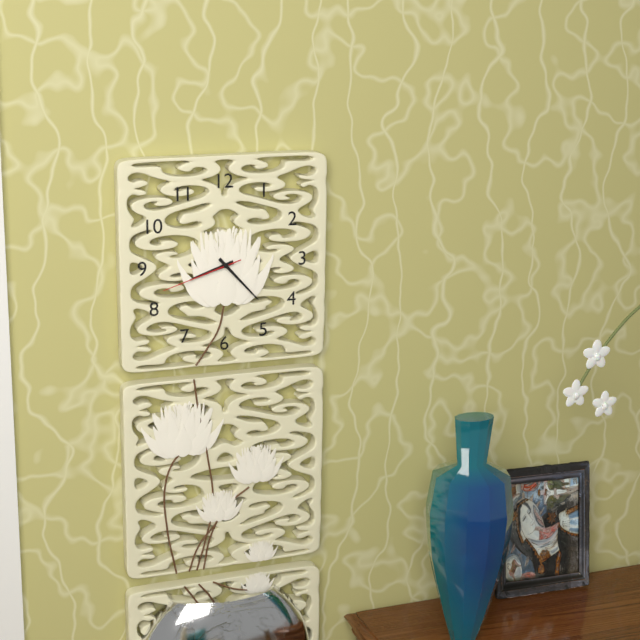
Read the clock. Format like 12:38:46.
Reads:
8:23:42
